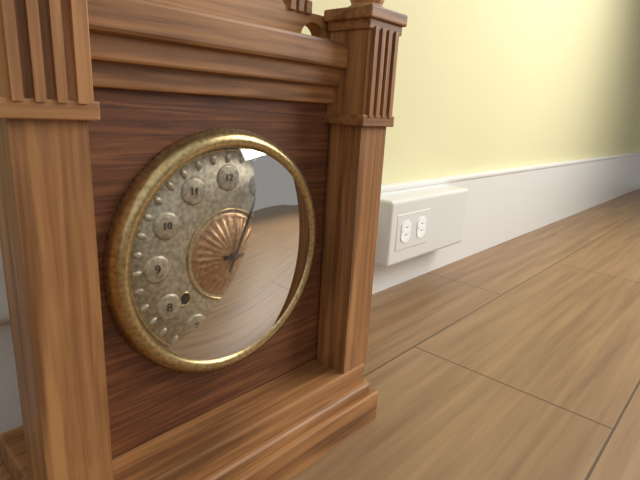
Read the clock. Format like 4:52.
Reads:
3:04
